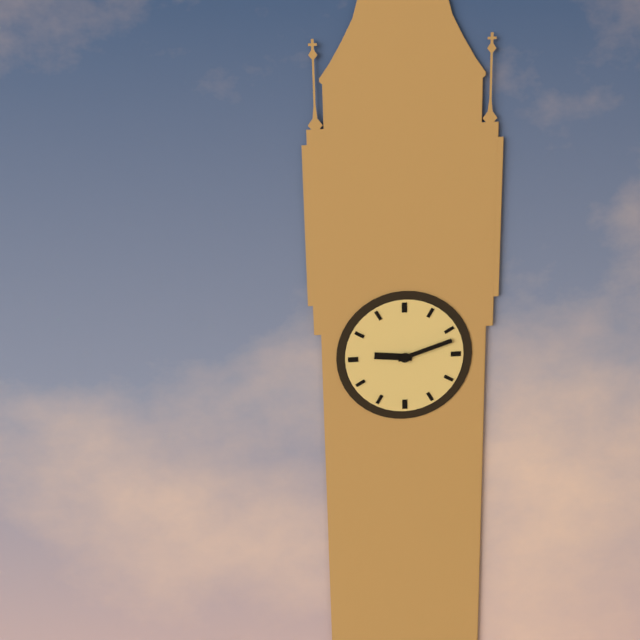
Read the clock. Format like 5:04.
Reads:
9:12
